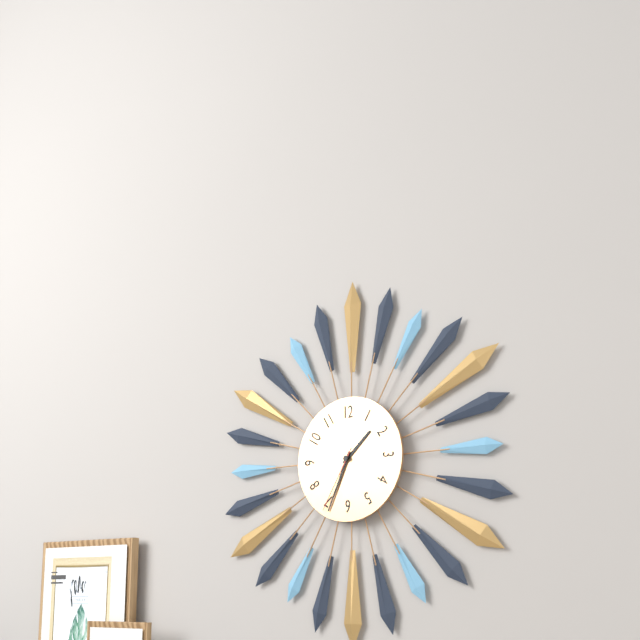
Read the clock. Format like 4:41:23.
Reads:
1:34:35
